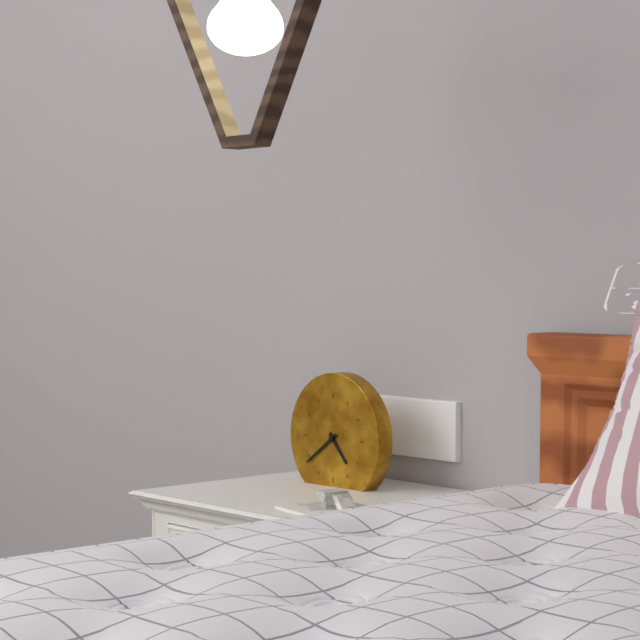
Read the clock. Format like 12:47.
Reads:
4:39
